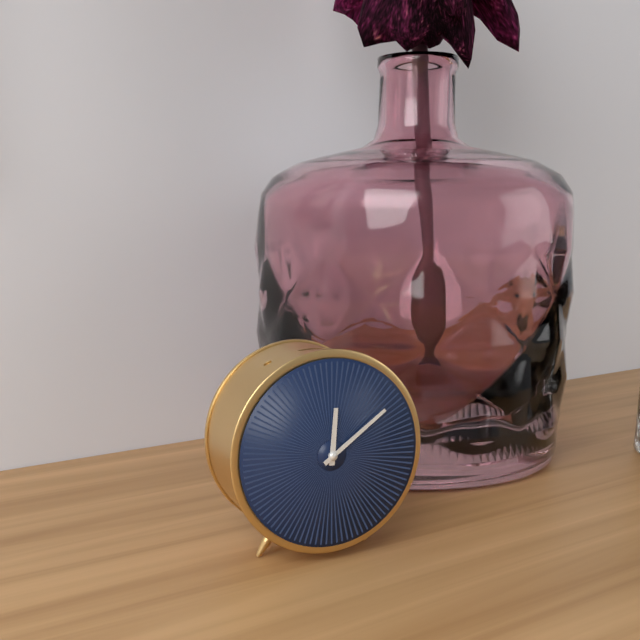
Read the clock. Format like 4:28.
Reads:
12:09
